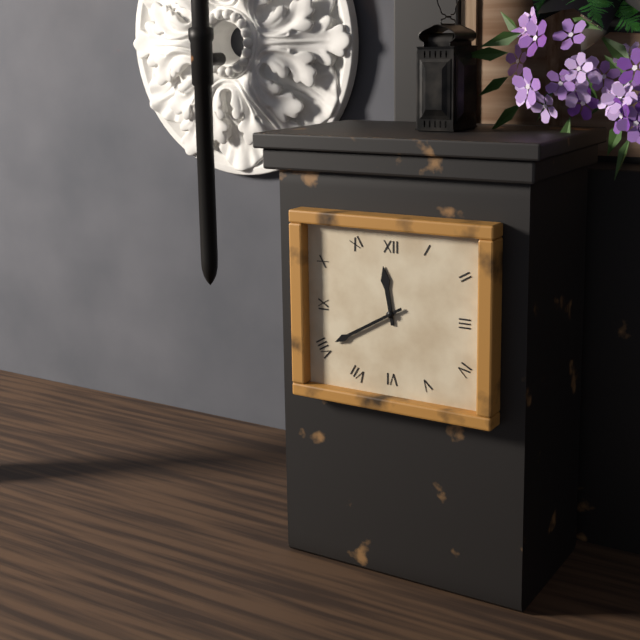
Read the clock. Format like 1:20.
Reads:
11:40
